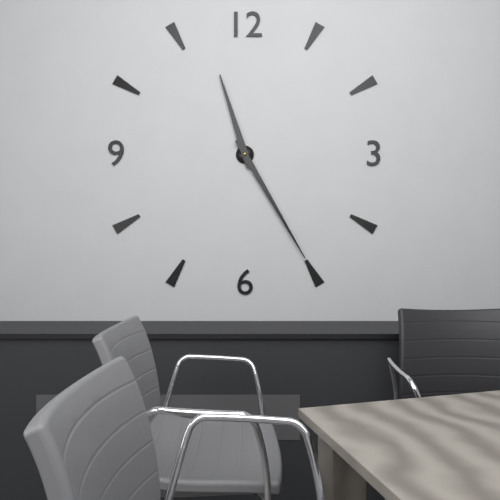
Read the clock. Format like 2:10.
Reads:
11:25
